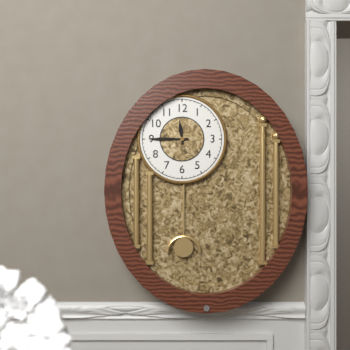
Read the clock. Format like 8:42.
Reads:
11:45
